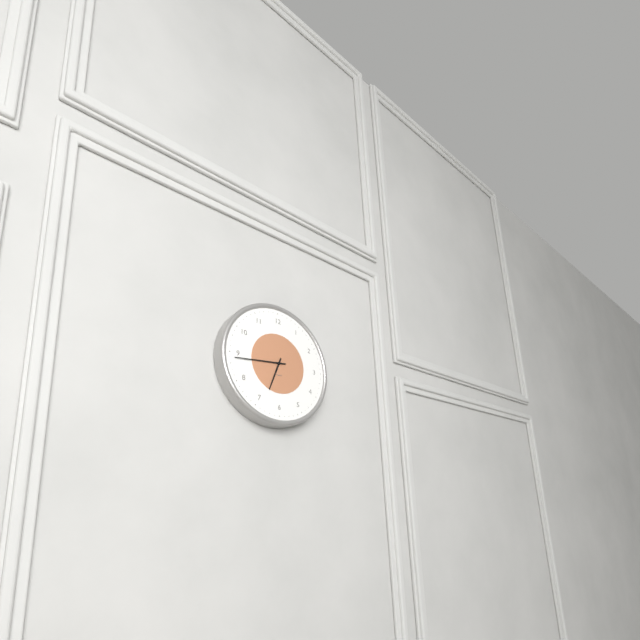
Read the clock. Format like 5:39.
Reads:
6:44
